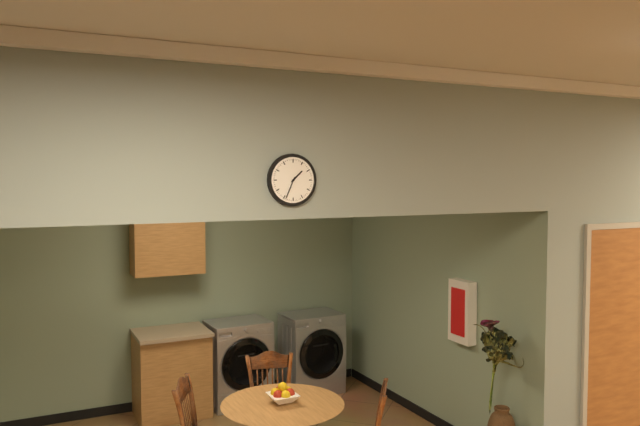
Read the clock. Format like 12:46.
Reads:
1:34
